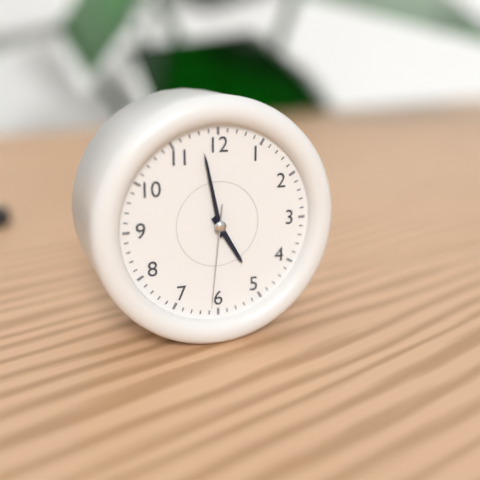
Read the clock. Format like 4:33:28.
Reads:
4:58:31
